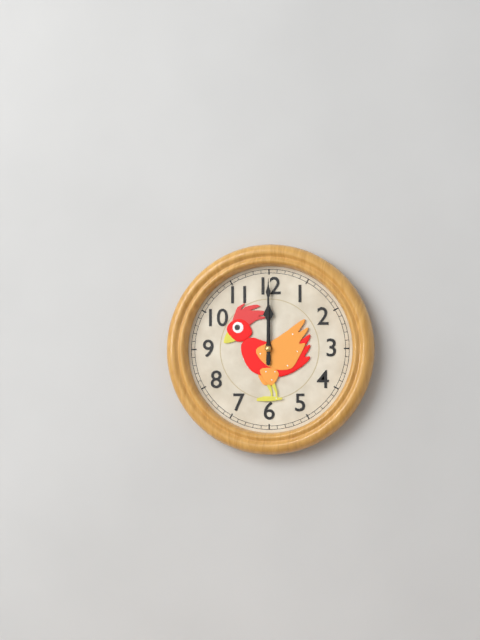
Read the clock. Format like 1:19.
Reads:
12:00
